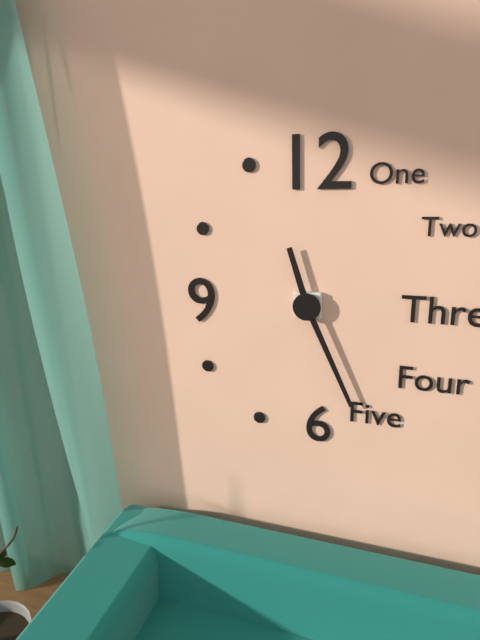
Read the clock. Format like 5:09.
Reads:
11:26
